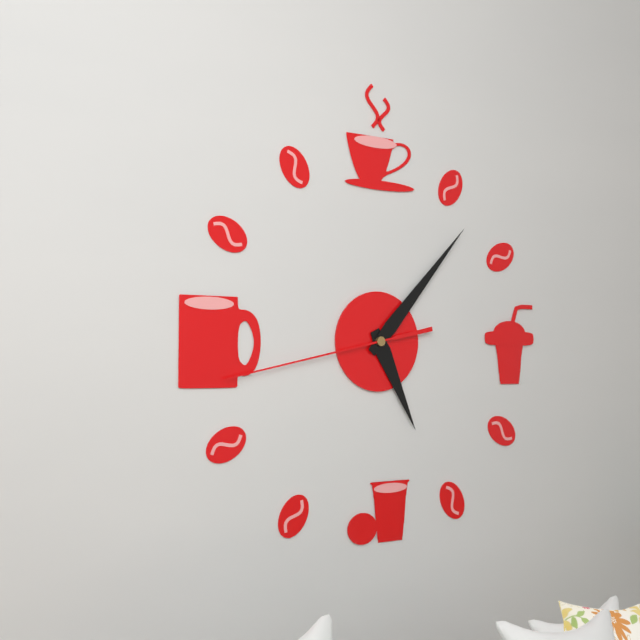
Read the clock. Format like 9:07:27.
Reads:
5:07:43
